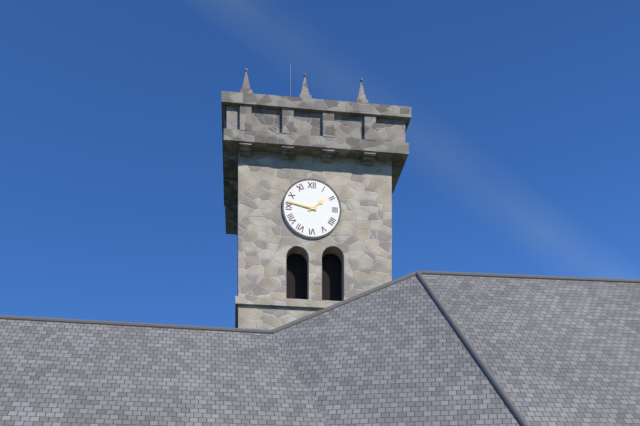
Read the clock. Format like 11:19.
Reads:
1:47
